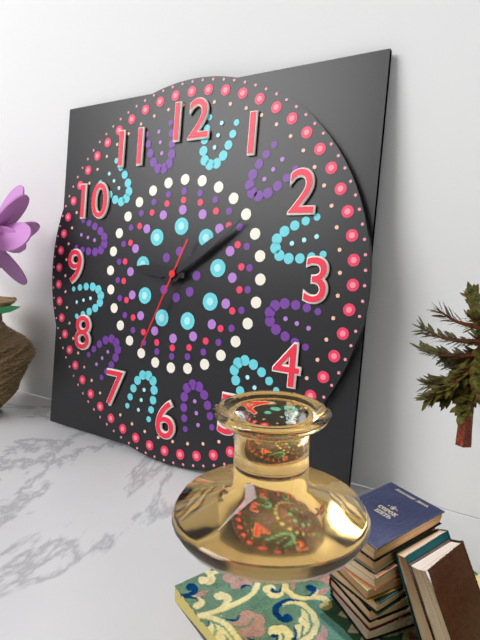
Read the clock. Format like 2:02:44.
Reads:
9:09:34
